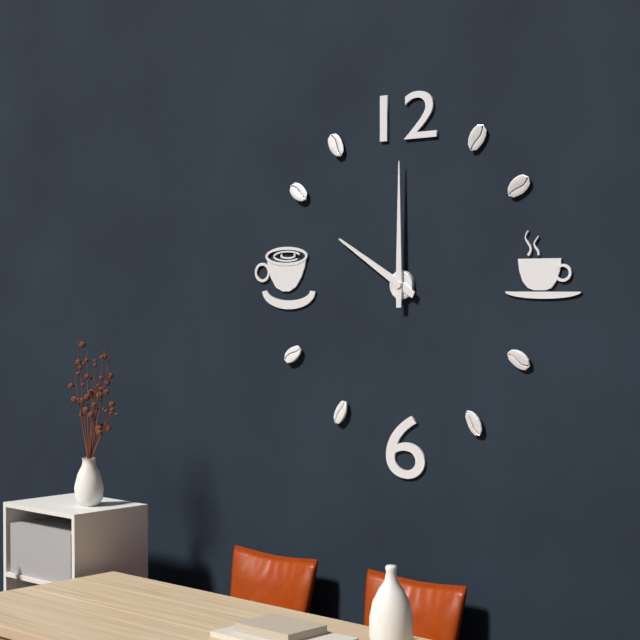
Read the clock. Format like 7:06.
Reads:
10:00
